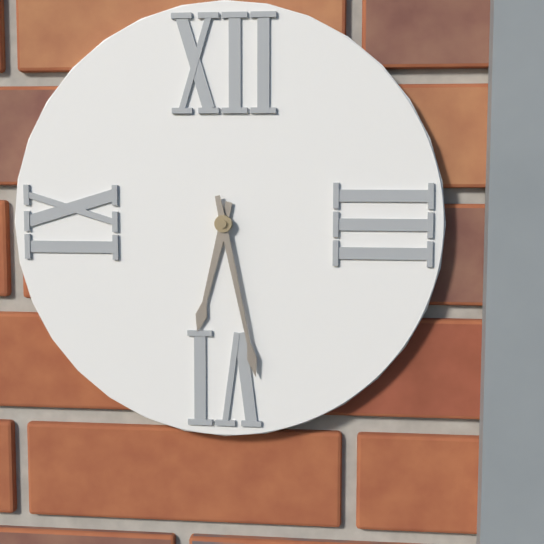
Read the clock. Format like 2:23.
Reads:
6:28
